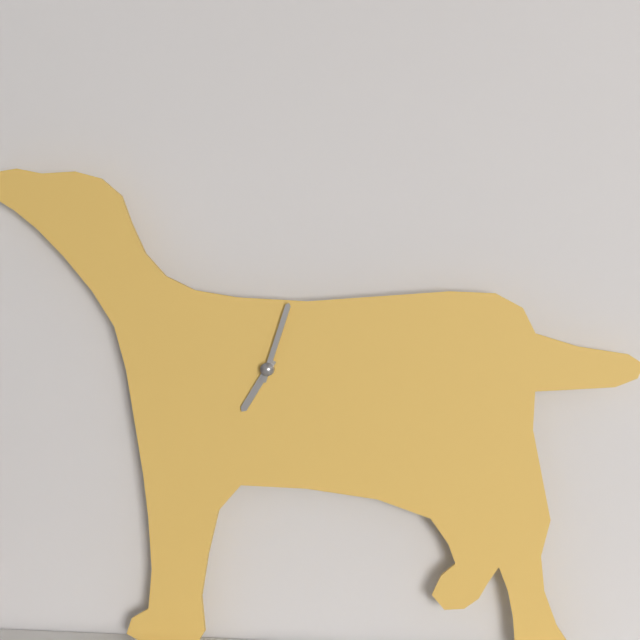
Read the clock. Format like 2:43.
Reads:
7:03
